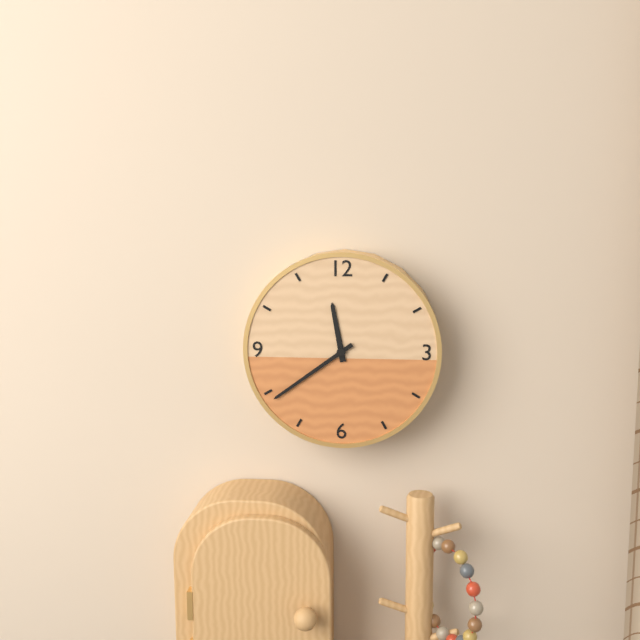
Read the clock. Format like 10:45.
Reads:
11:39
